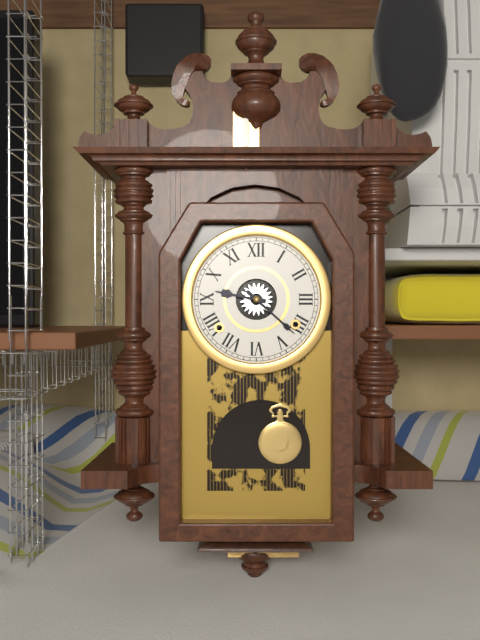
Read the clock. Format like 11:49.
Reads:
9:22
